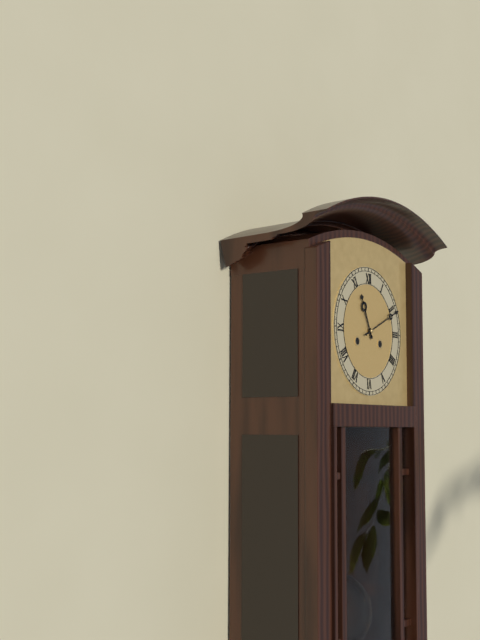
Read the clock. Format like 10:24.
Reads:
11:11
